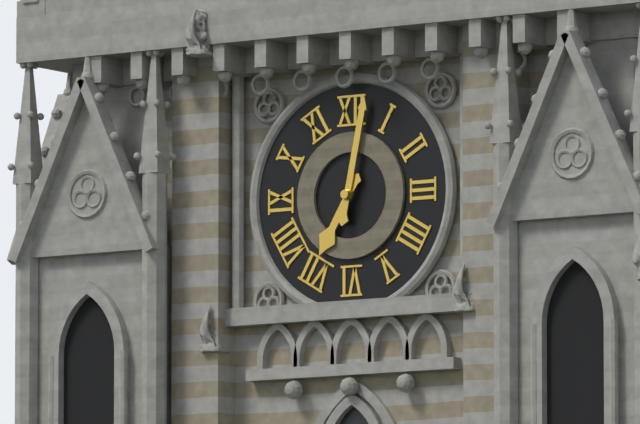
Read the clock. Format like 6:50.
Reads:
7:02
